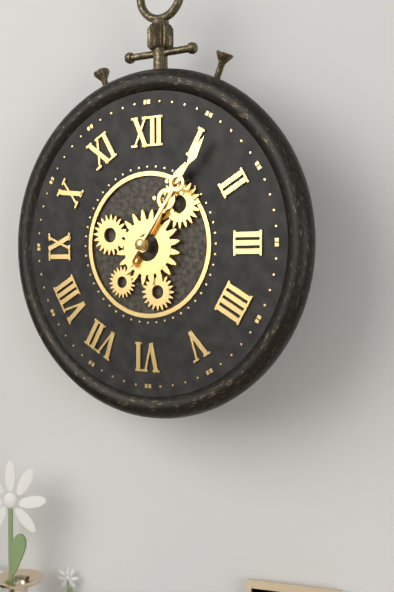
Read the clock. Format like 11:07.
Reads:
1:06
